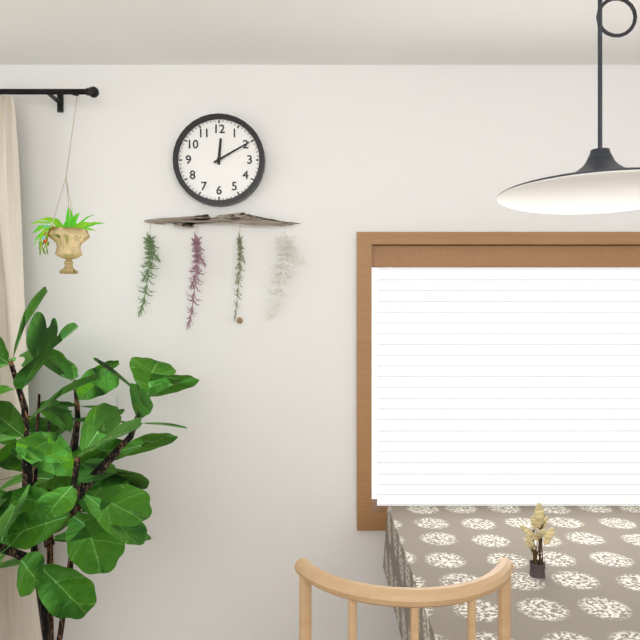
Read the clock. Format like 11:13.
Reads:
12:10
